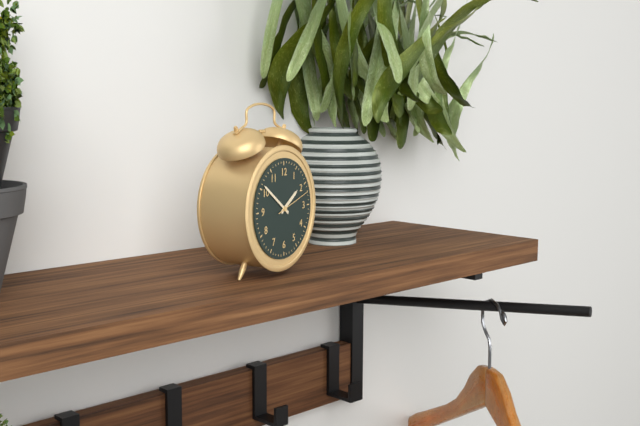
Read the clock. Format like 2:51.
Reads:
1:51
